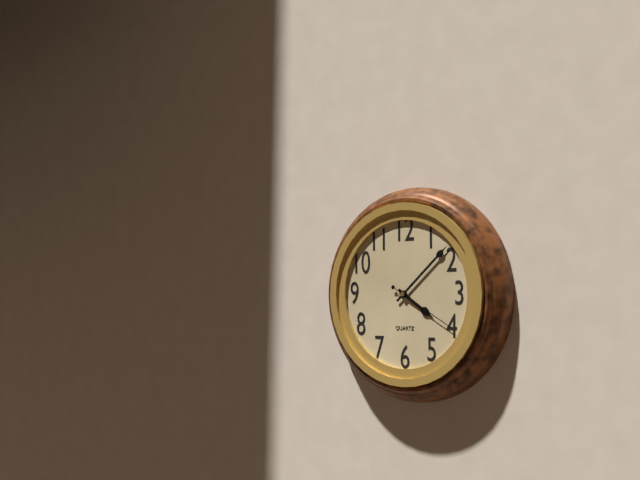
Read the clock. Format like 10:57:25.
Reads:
4:08:20
